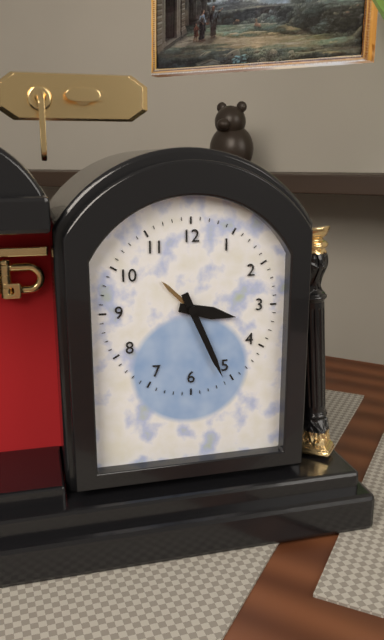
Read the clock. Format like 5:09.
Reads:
3:26
